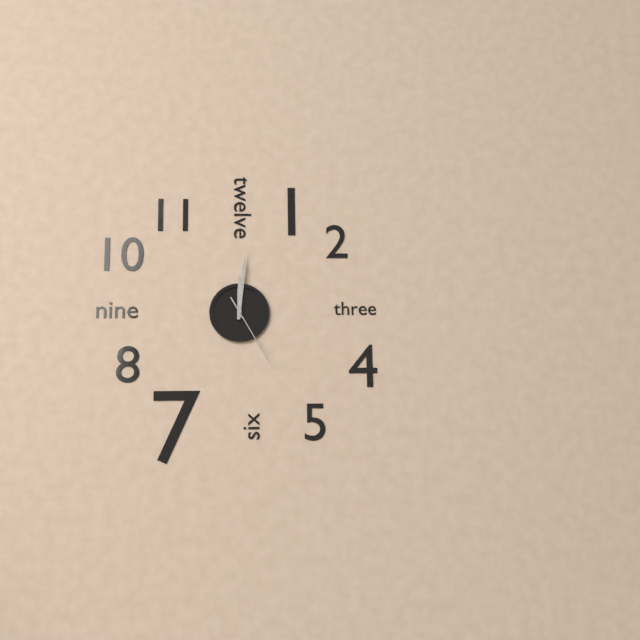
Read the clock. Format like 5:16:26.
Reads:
12:01:25
